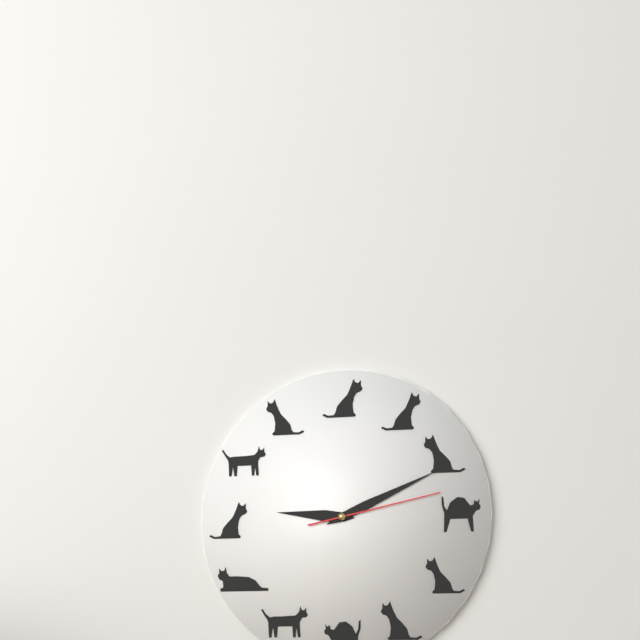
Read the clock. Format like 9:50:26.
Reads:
9:11:13
